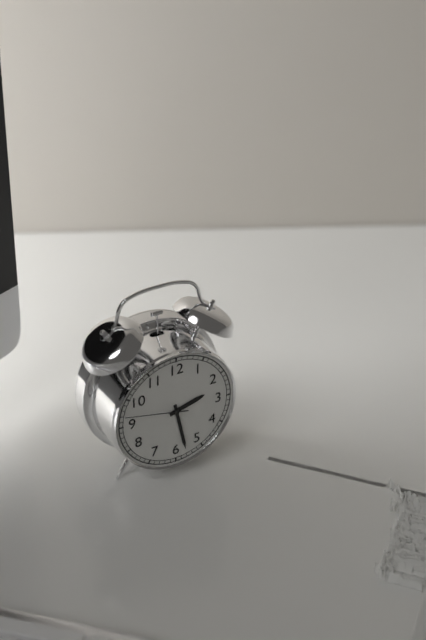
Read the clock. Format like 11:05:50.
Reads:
2:28:47
